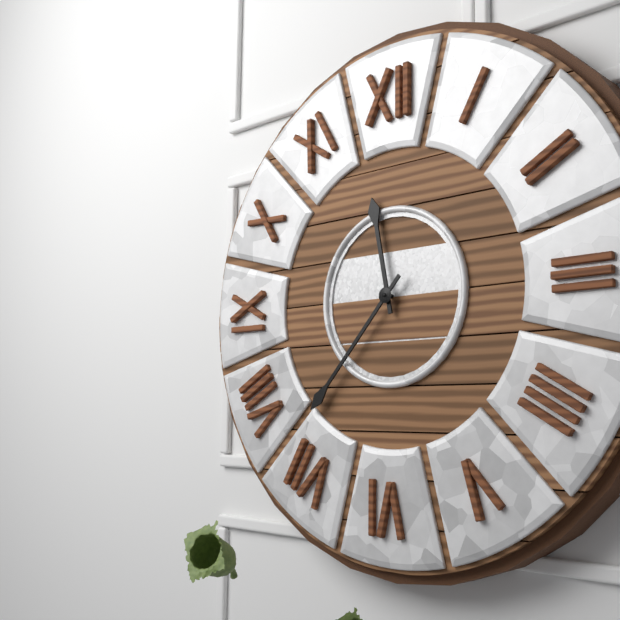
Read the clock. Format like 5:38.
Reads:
11:37
